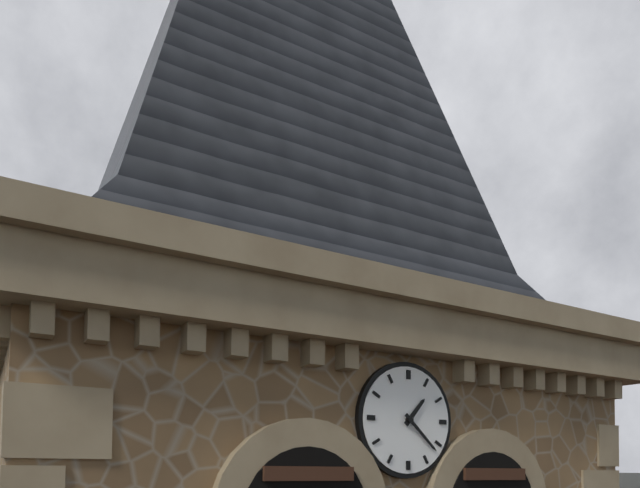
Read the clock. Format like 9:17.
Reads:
1:22
